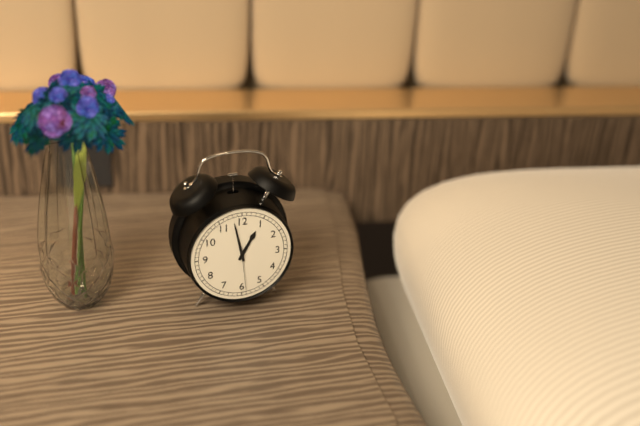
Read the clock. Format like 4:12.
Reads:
12:58
